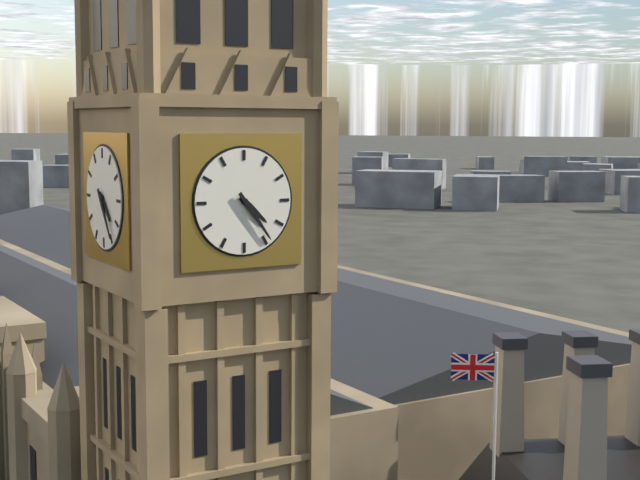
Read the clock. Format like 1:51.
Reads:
4:24
